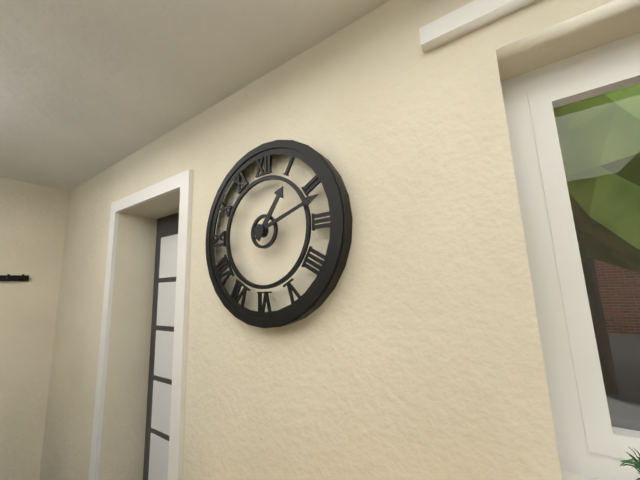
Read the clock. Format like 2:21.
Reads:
1:12
